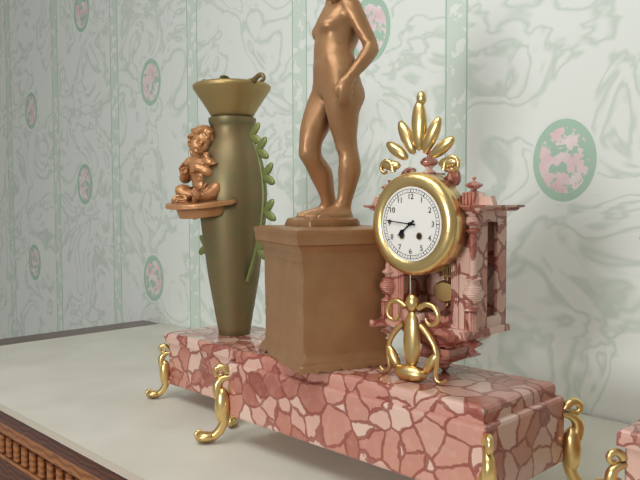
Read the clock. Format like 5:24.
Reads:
7:46
